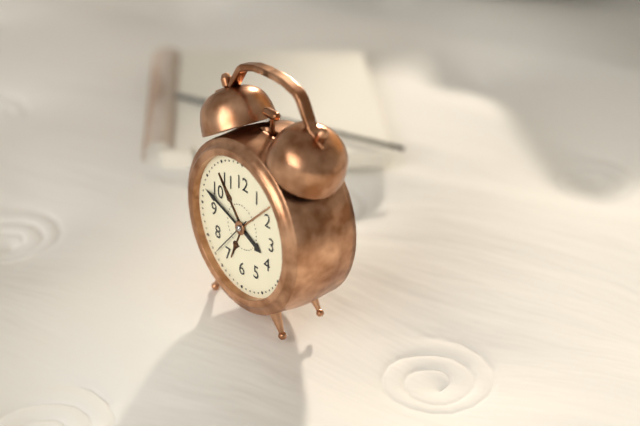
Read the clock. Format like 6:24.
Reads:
3:48
